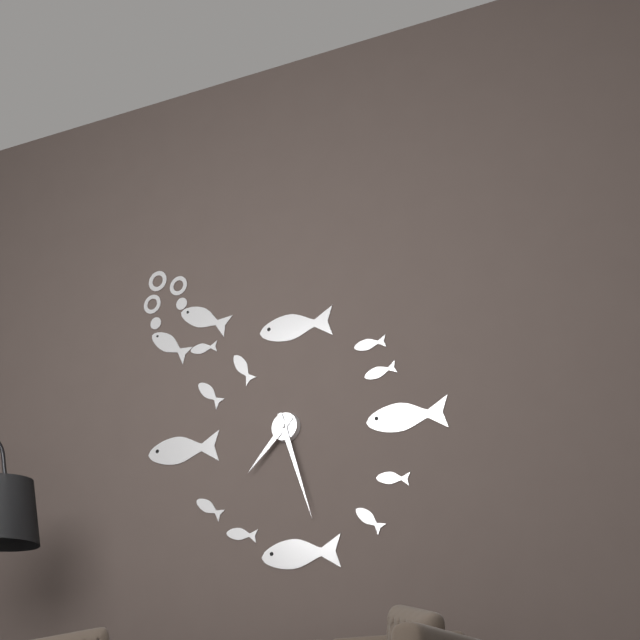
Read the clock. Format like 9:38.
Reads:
7:27
